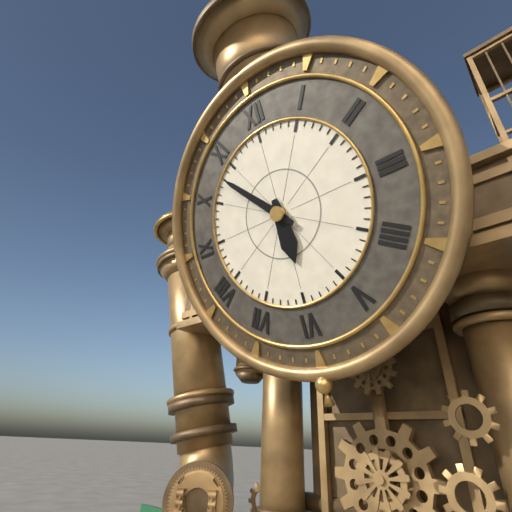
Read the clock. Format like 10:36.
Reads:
5:53
